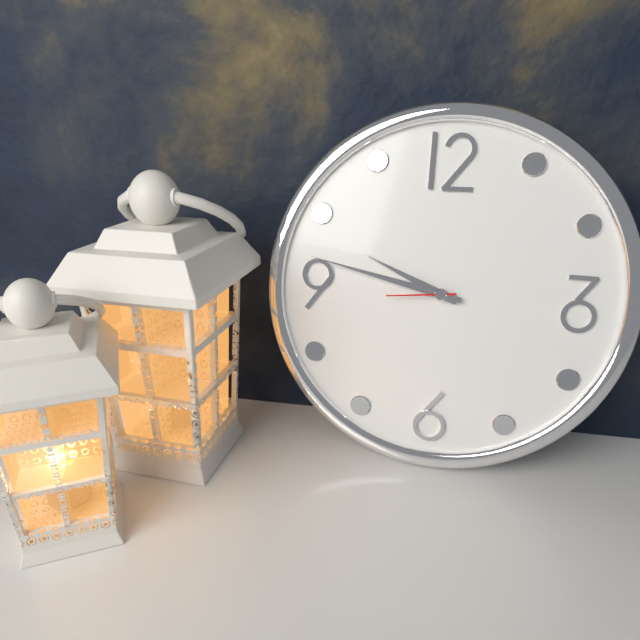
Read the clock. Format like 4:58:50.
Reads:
9:47:44
